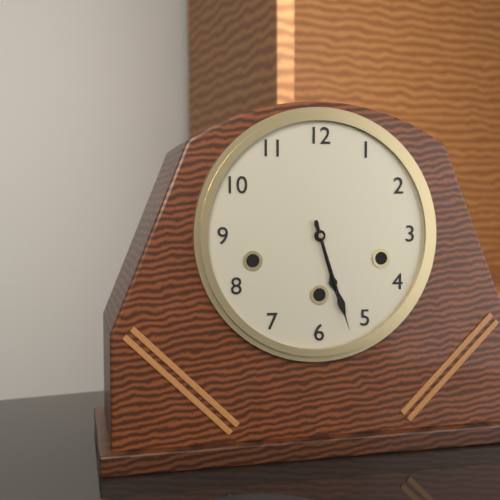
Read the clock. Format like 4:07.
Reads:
5:27
